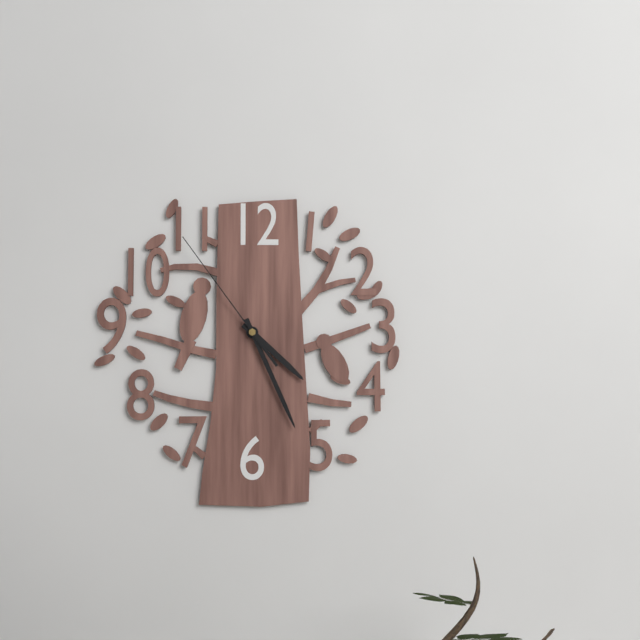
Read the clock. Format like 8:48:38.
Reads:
4:26:54
